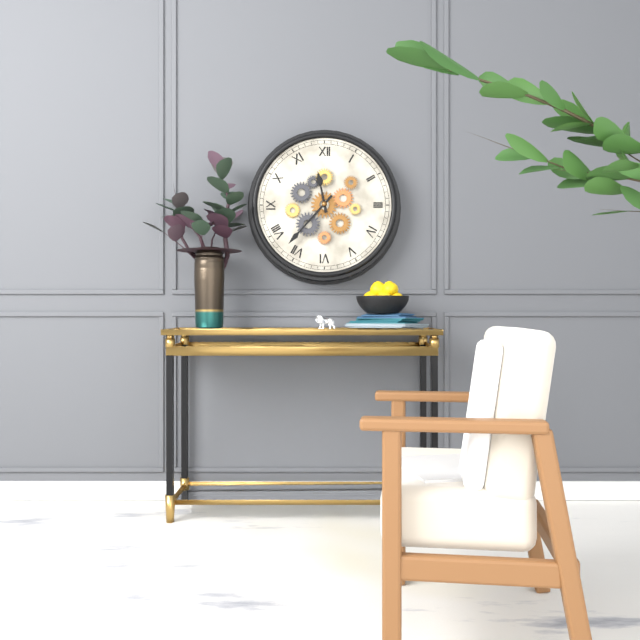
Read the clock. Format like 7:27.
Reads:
11:37
